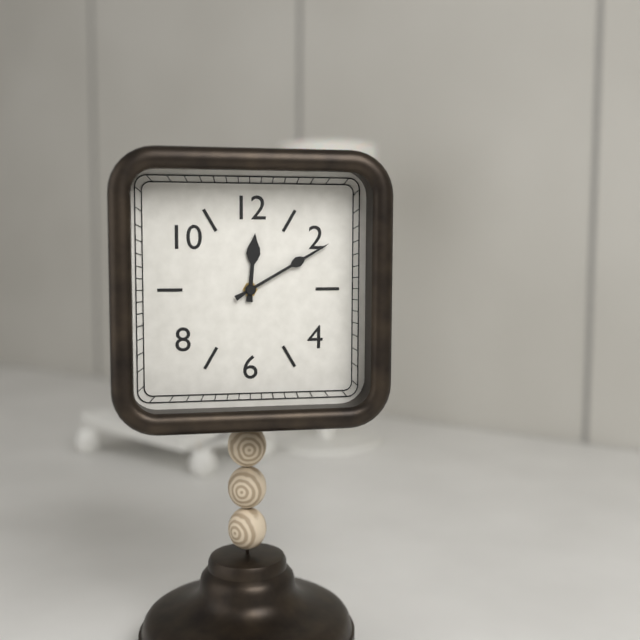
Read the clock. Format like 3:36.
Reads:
12:10
